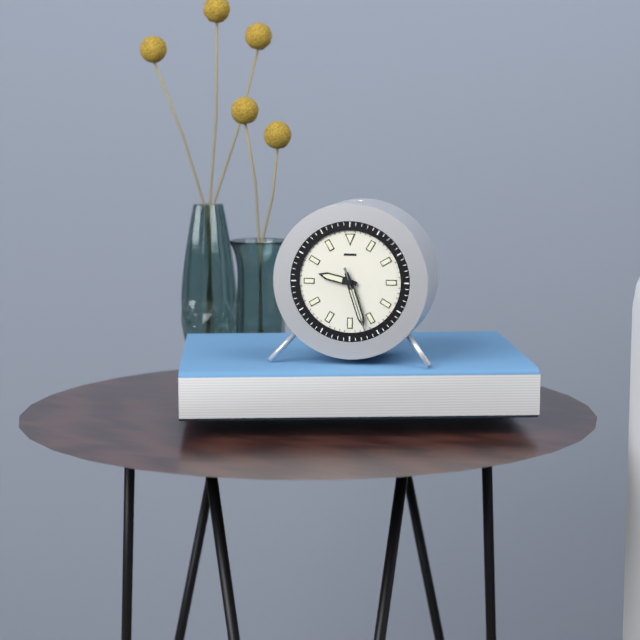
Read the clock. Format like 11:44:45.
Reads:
9:27:27
